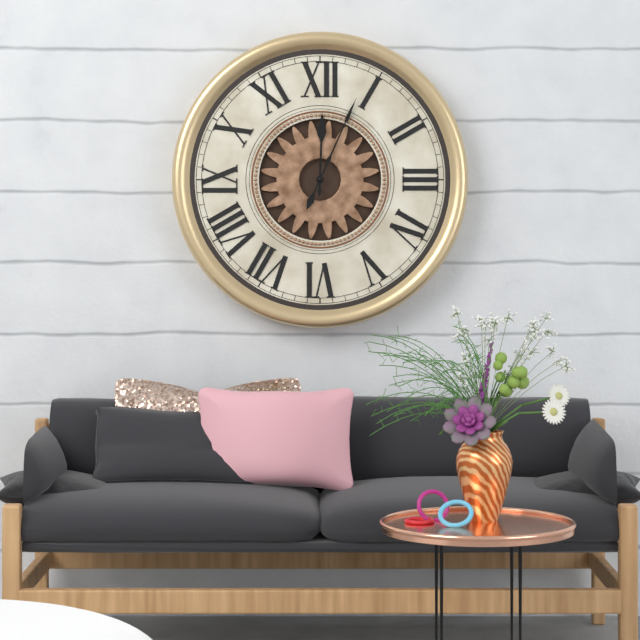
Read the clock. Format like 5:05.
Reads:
12:04
